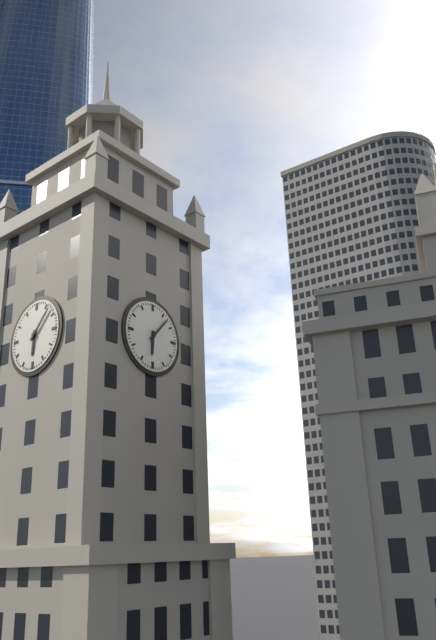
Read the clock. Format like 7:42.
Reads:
6:07
